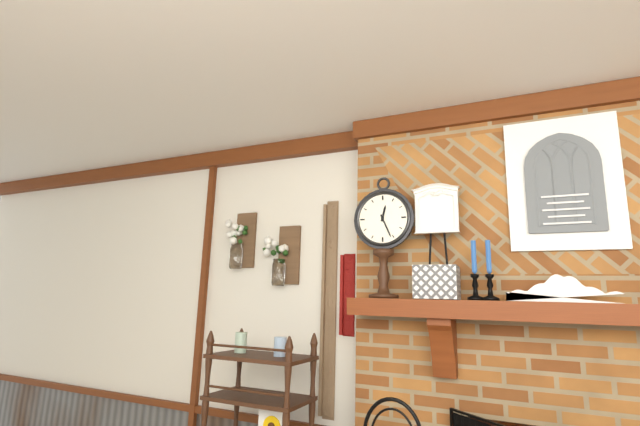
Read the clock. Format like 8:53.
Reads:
12:26
